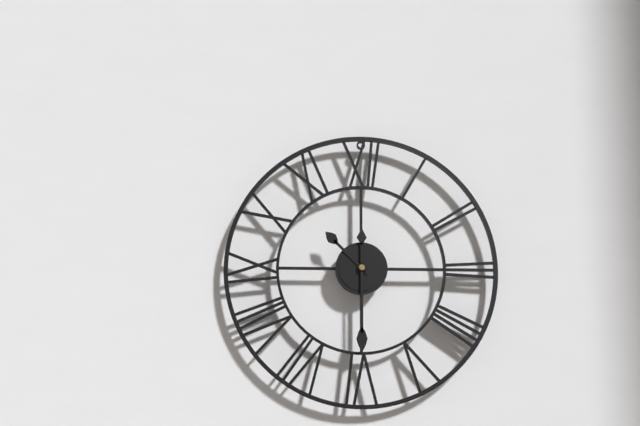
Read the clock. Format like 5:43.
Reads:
10:30
